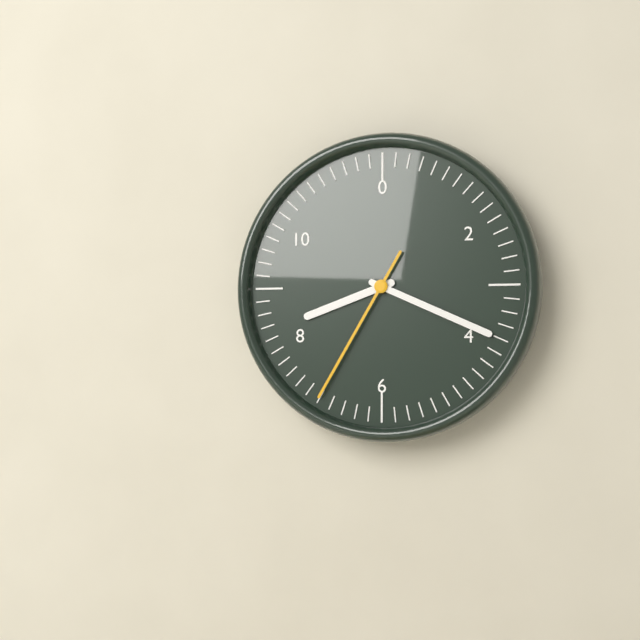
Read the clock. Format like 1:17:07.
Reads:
8:19:35
